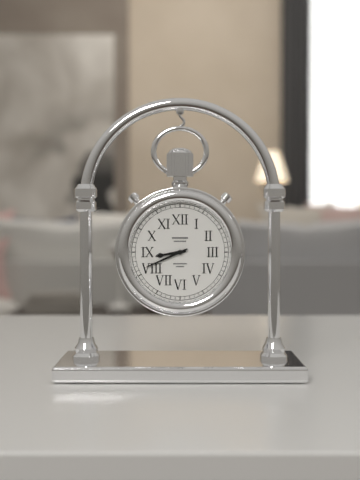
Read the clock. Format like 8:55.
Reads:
8:41
